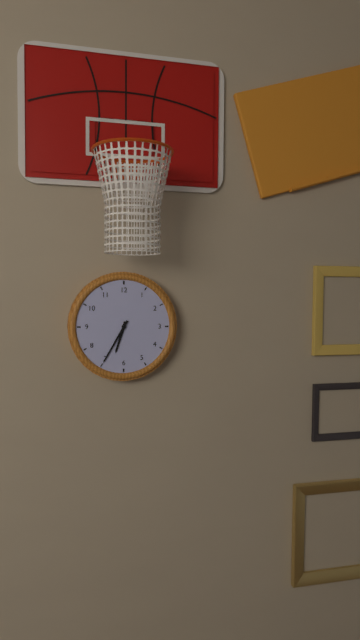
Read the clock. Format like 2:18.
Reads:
6:35
